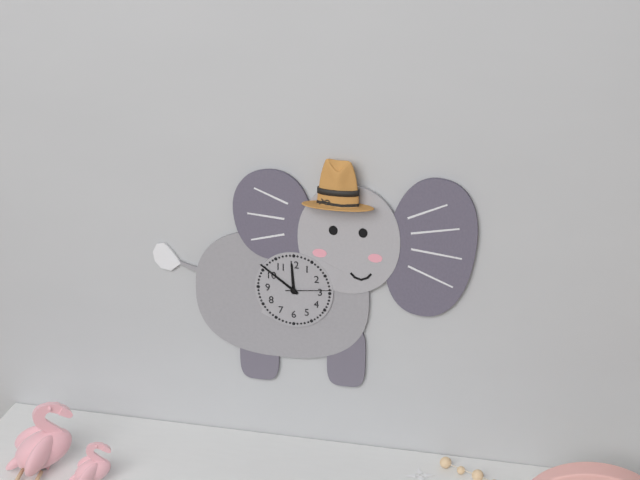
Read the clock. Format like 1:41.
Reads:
11:51
